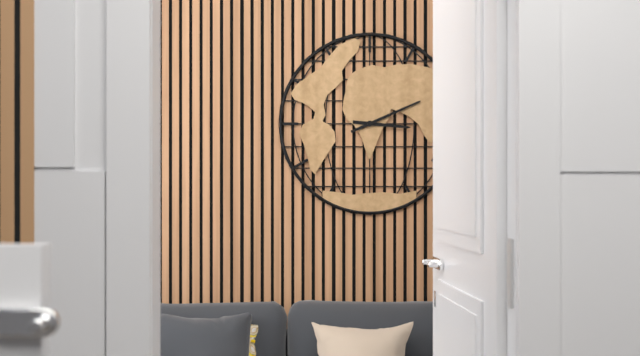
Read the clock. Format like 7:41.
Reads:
3:11
